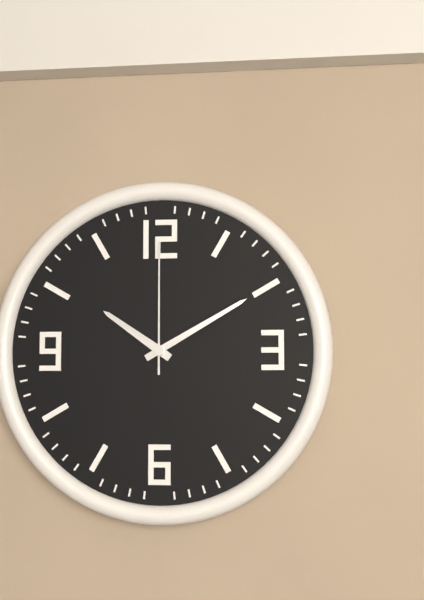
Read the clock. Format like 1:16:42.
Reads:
10:10:00
